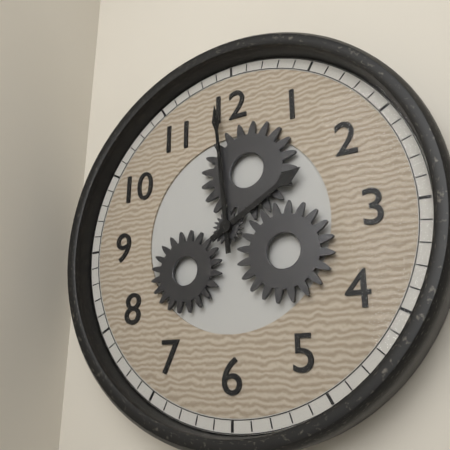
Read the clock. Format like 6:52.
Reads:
1:59
